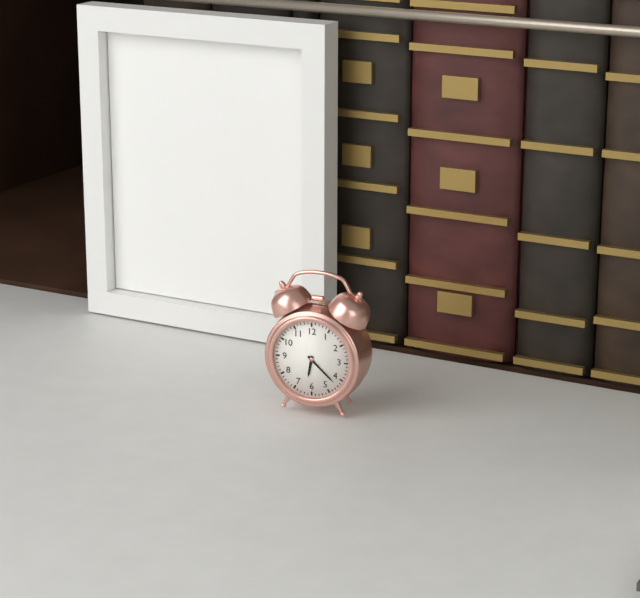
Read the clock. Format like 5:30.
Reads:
6:22
